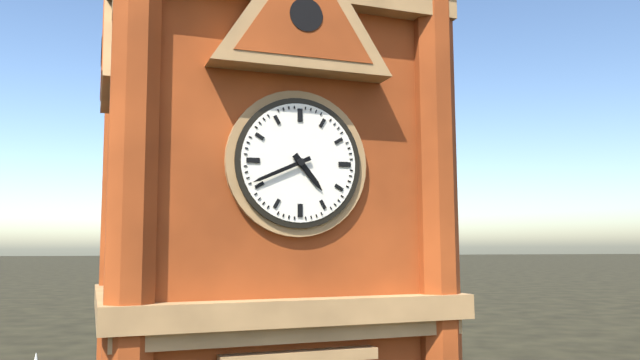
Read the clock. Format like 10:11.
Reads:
4:41
